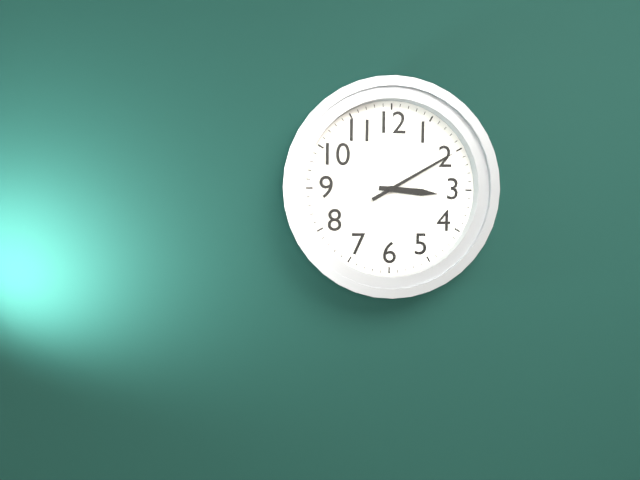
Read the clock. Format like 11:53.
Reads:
3:10
